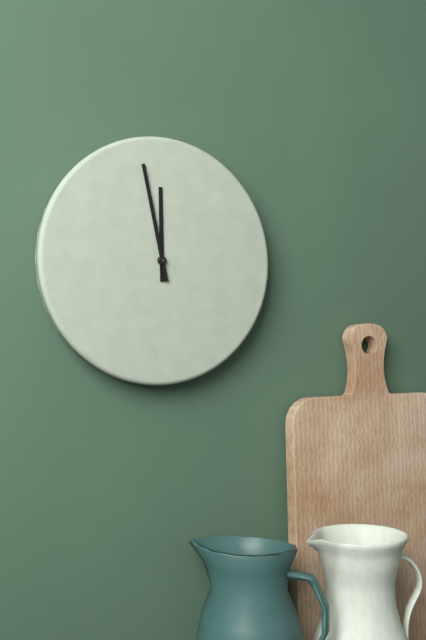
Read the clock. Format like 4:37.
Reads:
11:58
